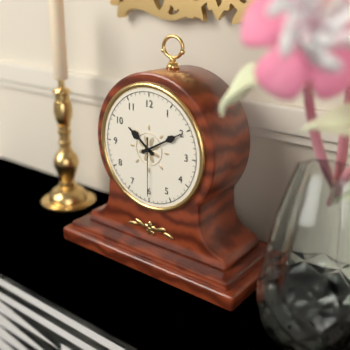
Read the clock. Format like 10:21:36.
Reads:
10:10:30
